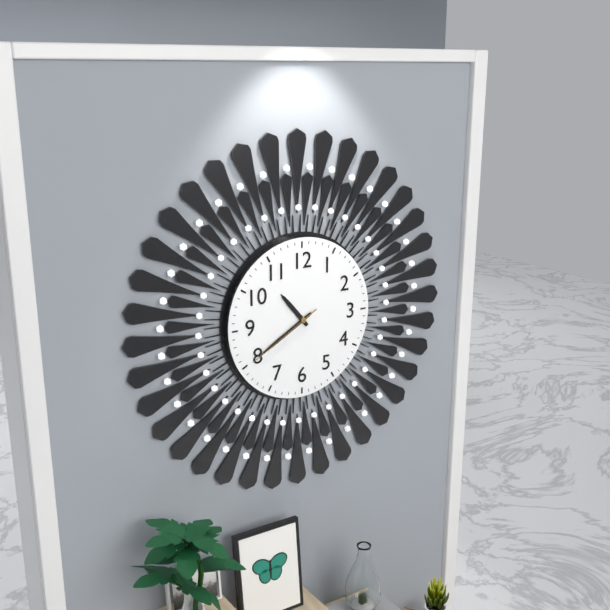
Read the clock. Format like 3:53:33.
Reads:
10:40:40
